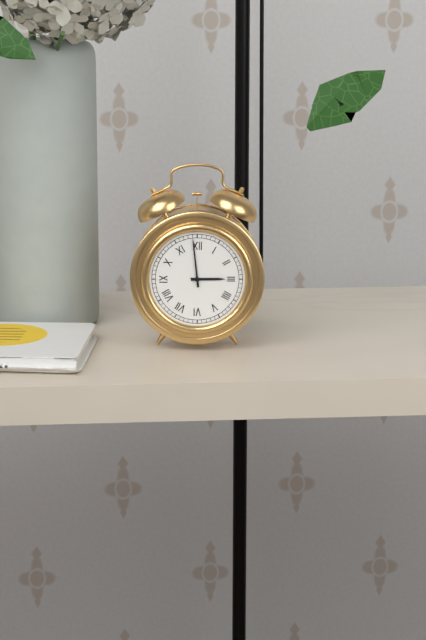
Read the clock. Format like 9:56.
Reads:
2:59
